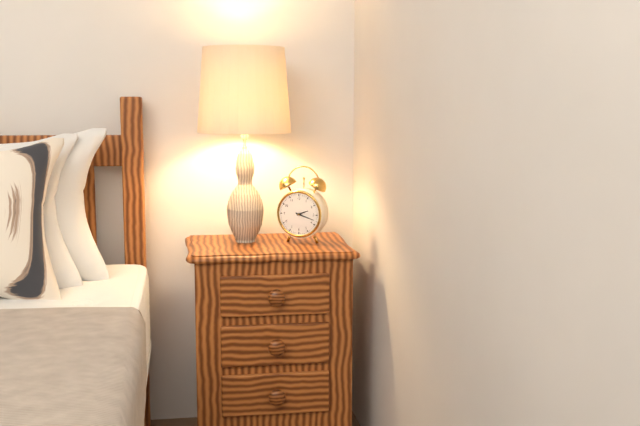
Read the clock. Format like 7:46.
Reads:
2:18
